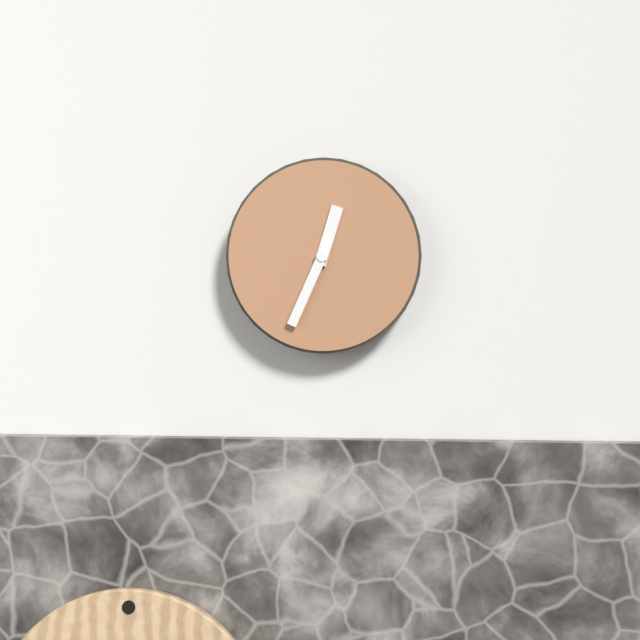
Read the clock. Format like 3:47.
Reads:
12:34
